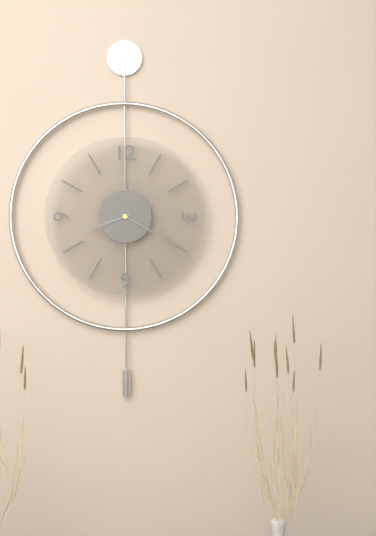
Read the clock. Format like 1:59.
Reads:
8:20
